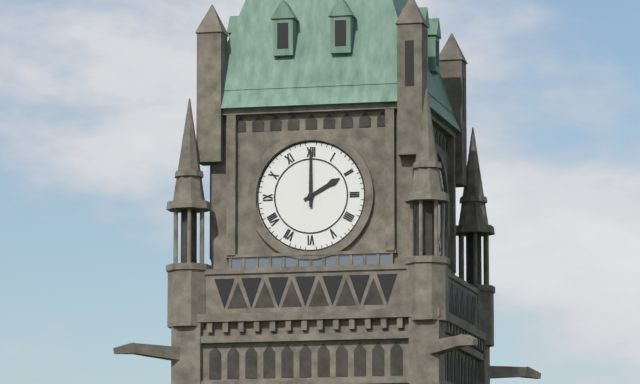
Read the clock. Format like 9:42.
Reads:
2:00
